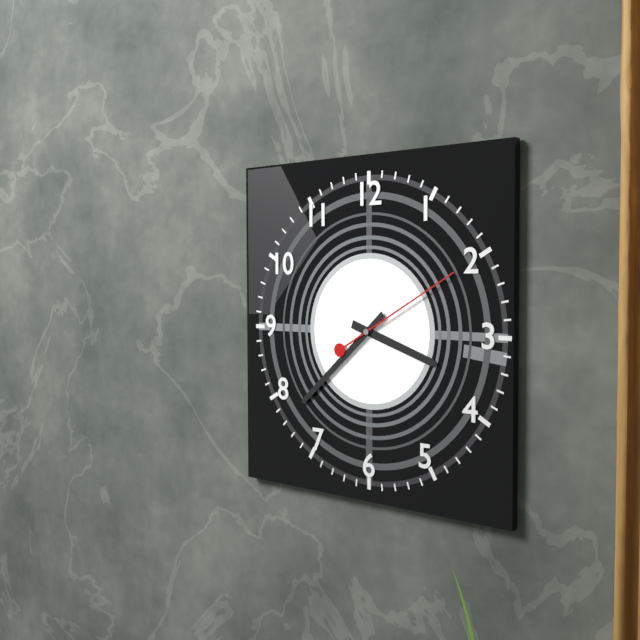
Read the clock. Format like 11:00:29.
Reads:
3:38:10
